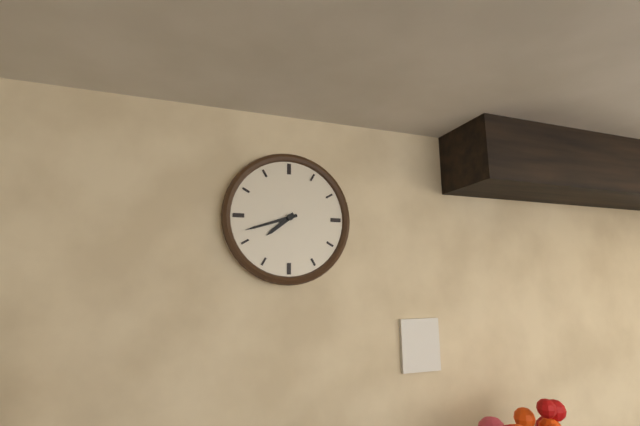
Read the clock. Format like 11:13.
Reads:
7:42
